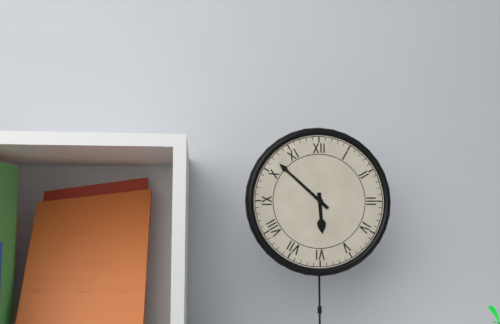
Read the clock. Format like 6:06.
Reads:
5:52
